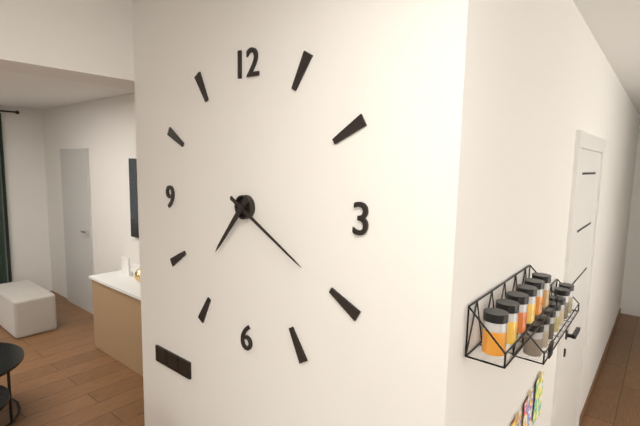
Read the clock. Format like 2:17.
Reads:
7:20
